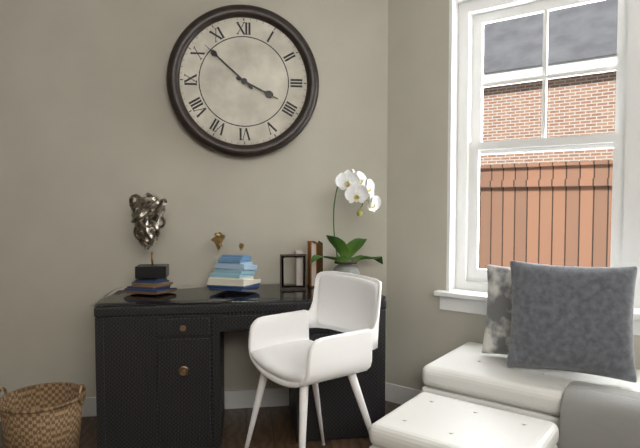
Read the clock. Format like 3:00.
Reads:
3:52
